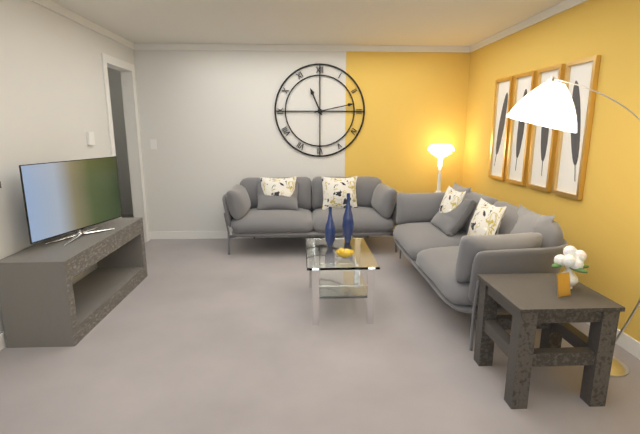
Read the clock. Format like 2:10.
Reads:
11:13
